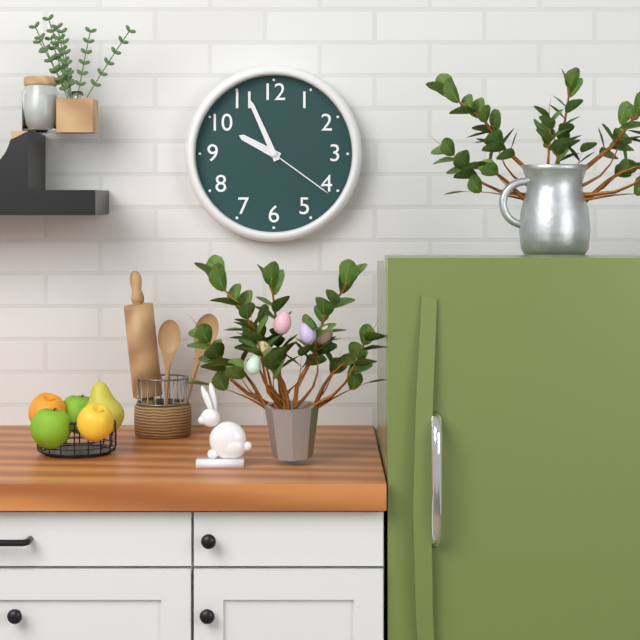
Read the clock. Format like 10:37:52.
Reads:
9:56:21
